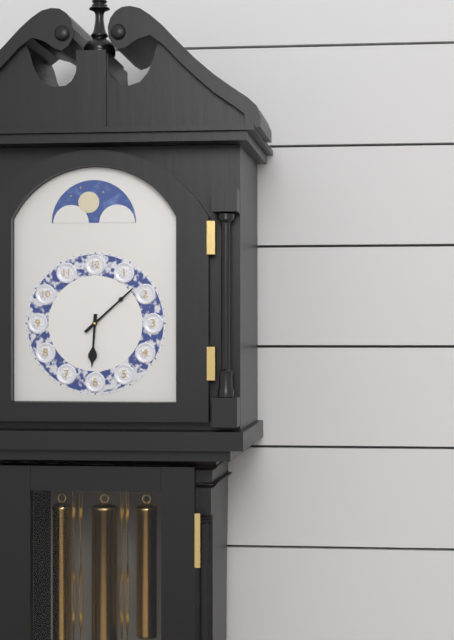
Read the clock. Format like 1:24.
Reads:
6:08
